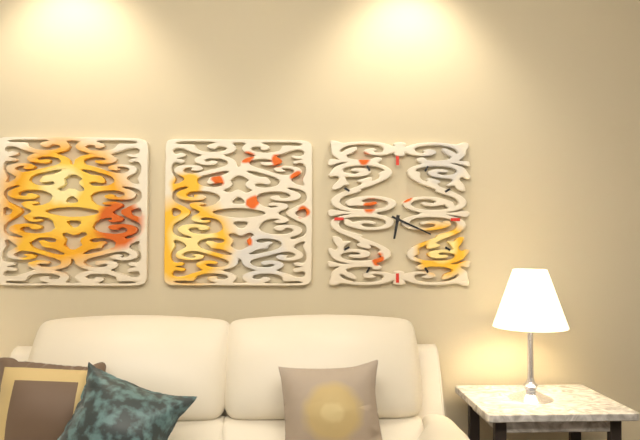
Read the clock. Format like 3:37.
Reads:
6:19
